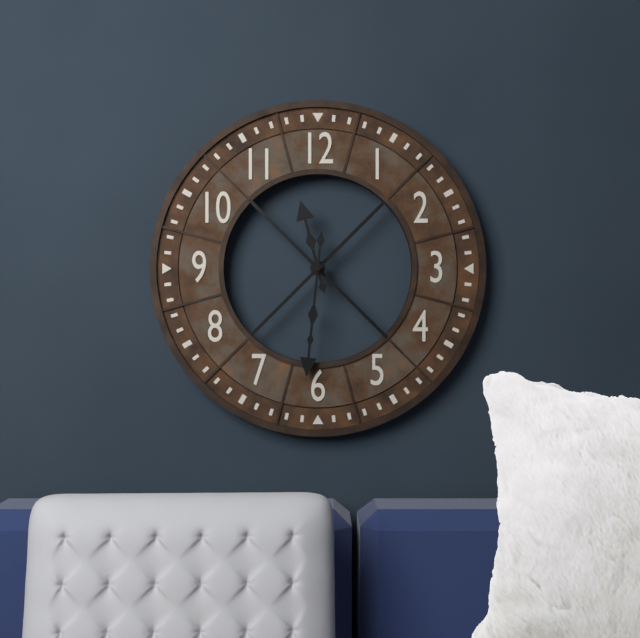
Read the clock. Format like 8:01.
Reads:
11:31
